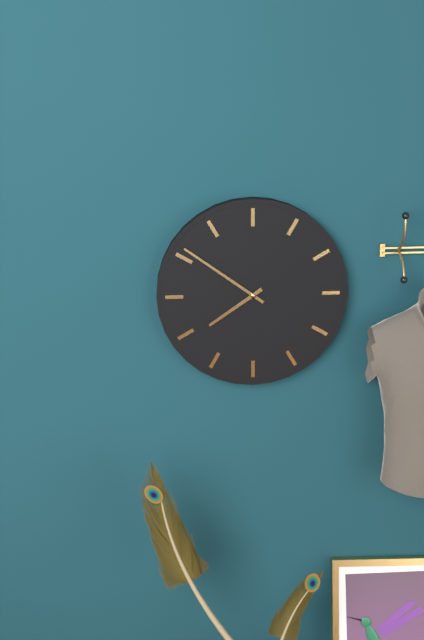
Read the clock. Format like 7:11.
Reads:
7:51
